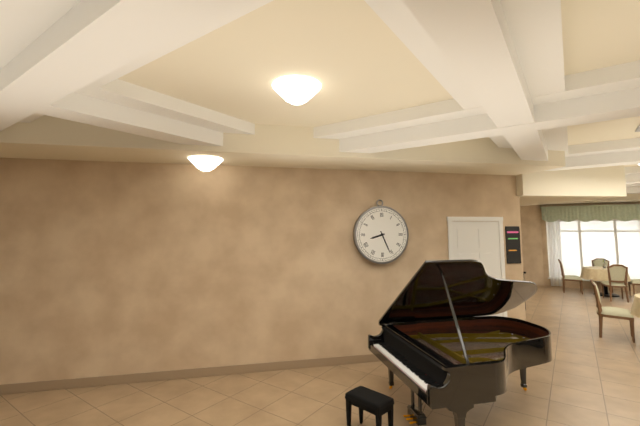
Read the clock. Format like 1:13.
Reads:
8:26
